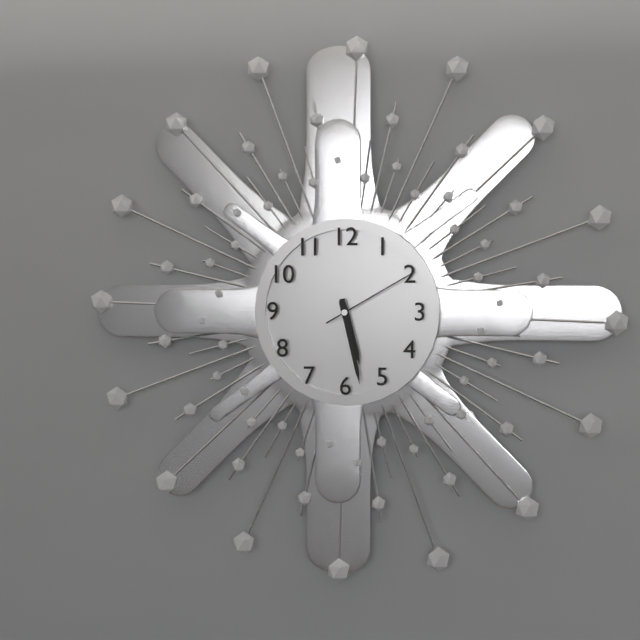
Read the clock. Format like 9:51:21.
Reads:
5:28:10
